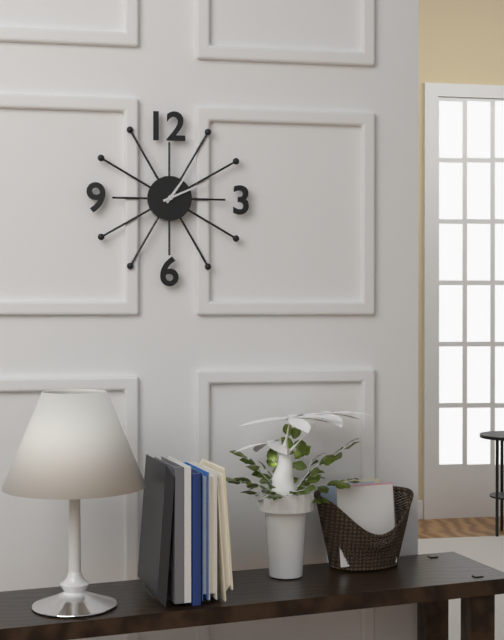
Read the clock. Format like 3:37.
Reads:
1:11
